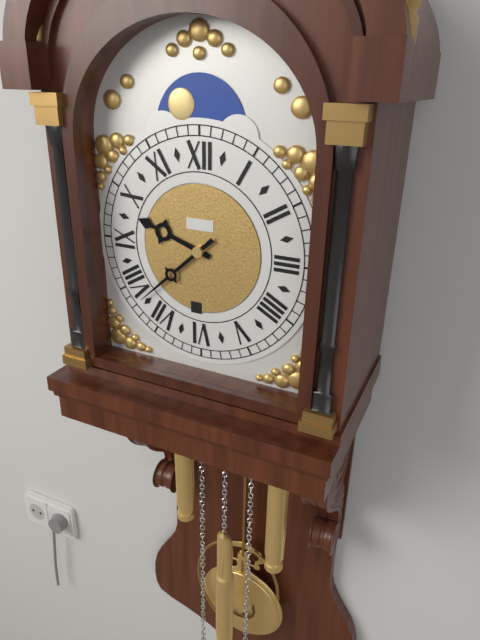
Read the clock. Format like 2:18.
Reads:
9:38
